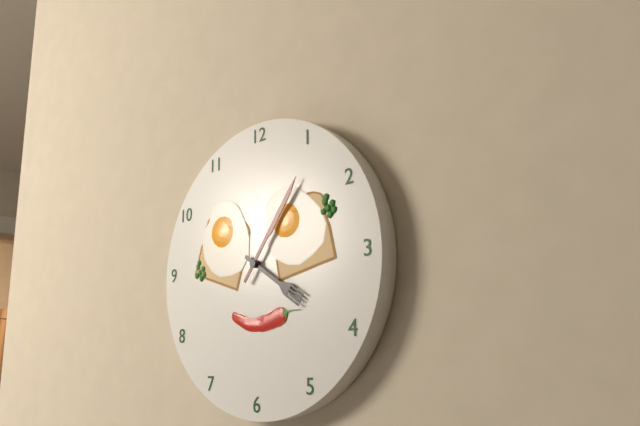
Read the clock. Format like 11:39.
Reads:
4:06
